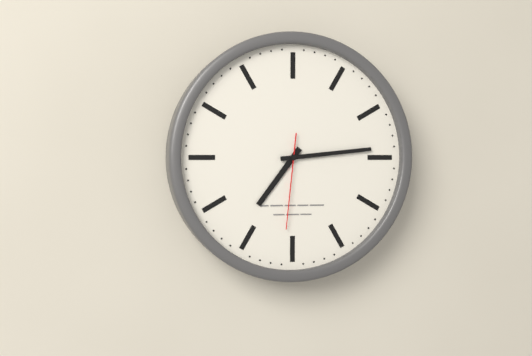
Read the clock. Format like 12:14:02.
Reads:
7:14:31
